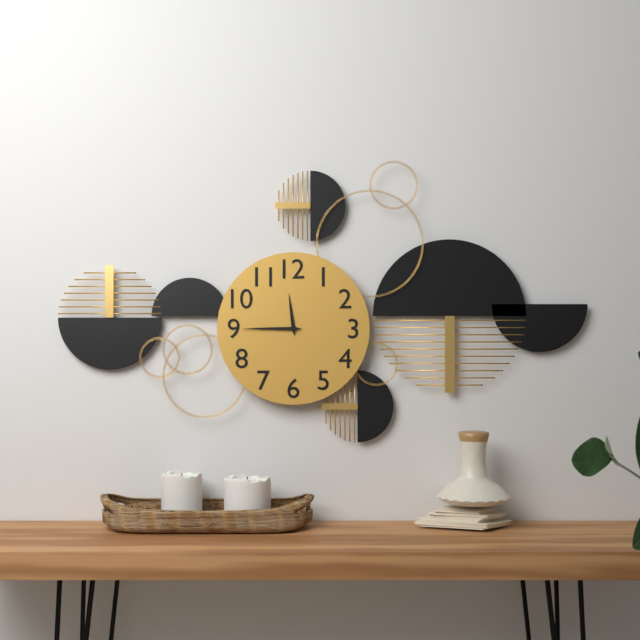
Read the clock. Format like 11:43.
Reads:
11:45
